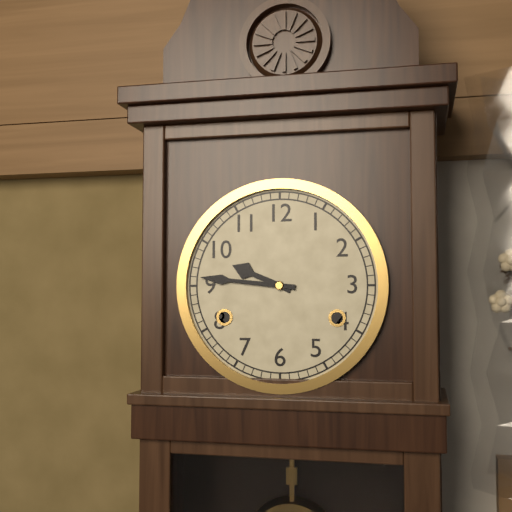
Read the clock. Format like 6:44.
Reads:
9:46
